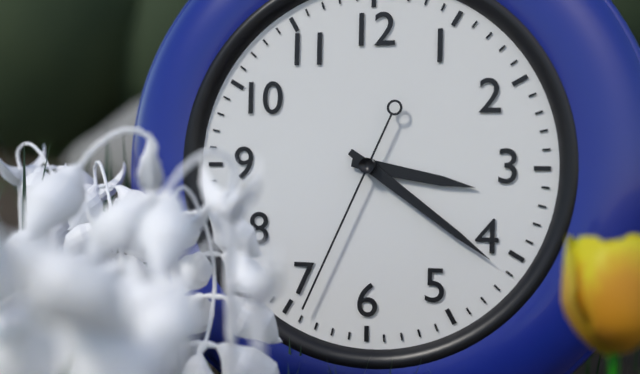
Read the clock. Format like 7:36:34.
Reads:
3:21:34
